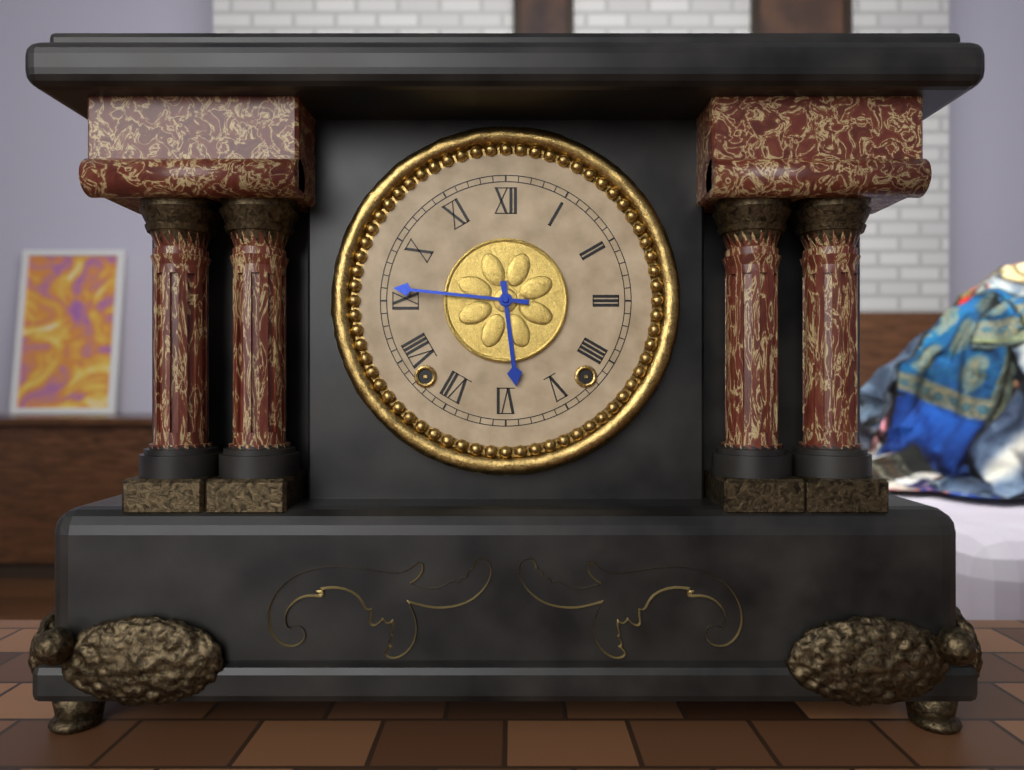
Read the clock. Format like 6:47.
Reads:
5:46
